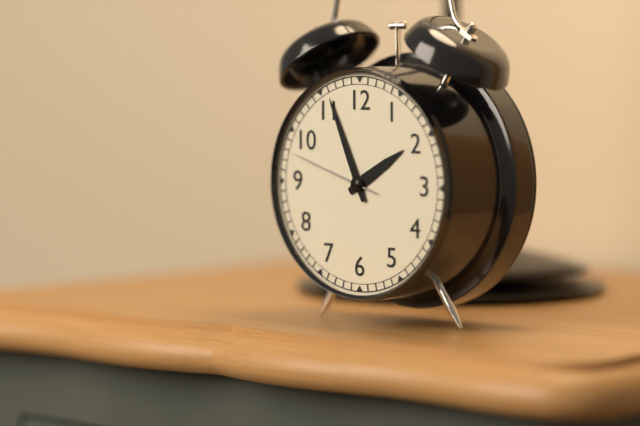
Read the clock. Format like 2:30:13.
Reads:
1:56:48
